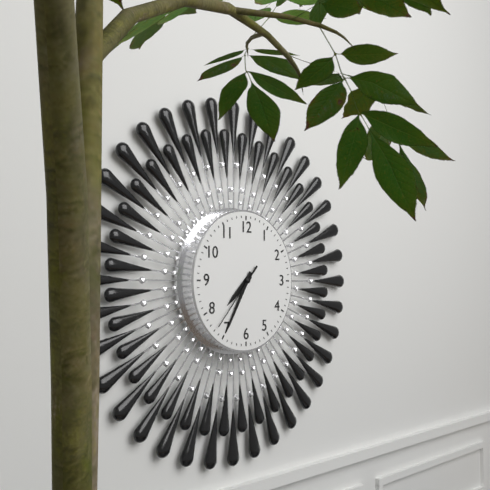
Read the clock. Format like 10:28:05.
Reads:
7:35:37
